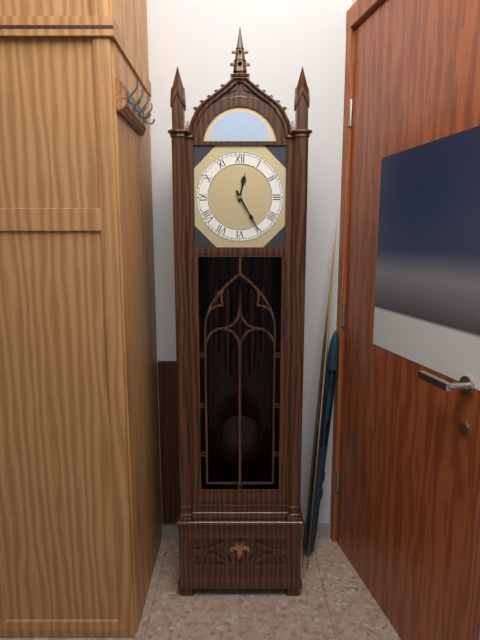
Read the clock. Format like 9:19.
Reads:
12:25
